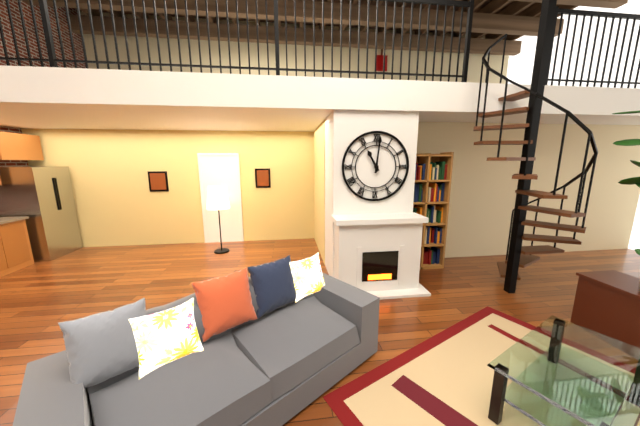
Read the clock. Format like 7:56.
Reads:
11:01
